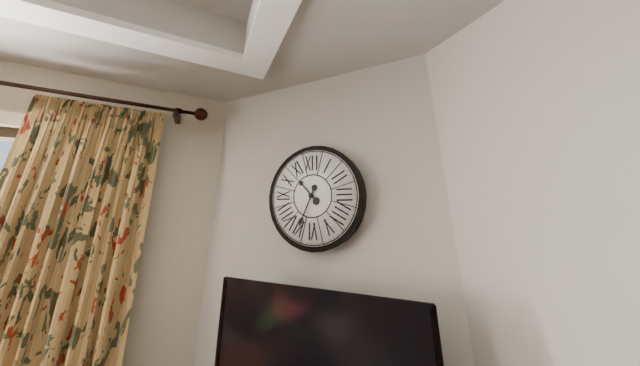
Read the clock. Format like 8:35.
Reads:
10:34
